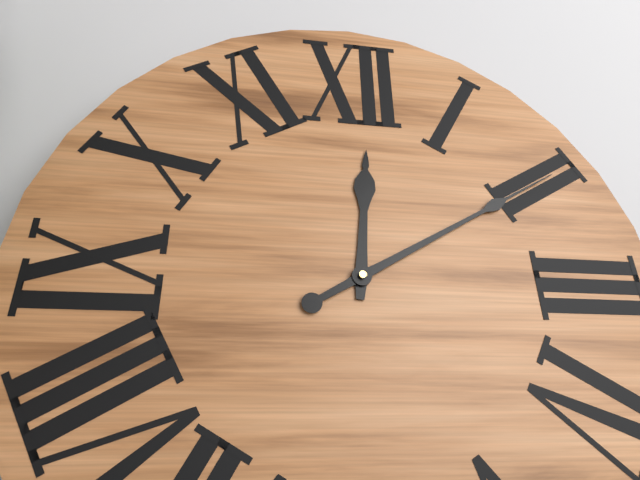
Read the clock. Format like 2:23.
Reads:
12:10
